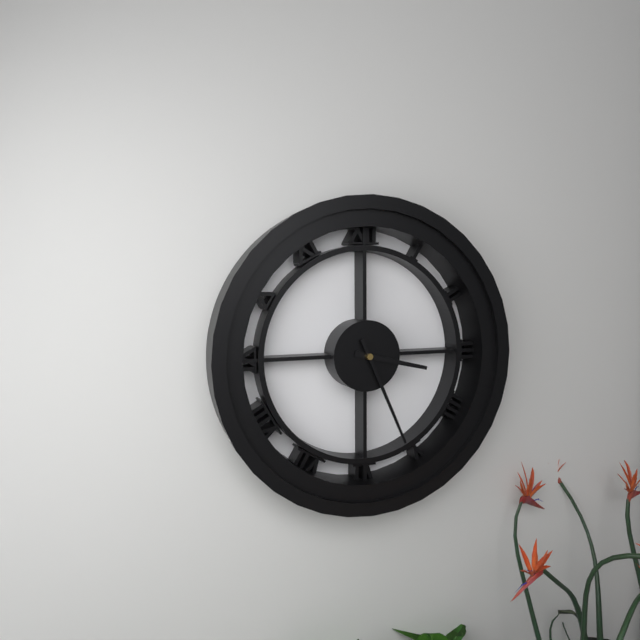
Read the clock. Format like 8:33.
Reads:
3:26
